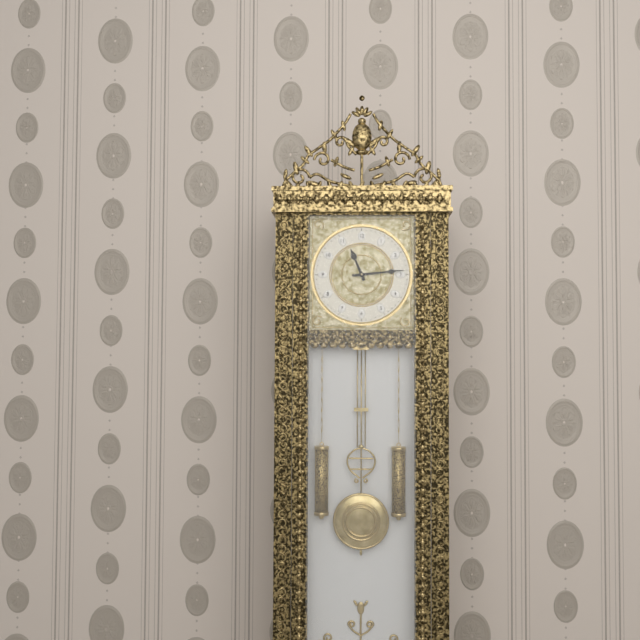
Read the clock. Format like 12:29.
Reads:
11:14
